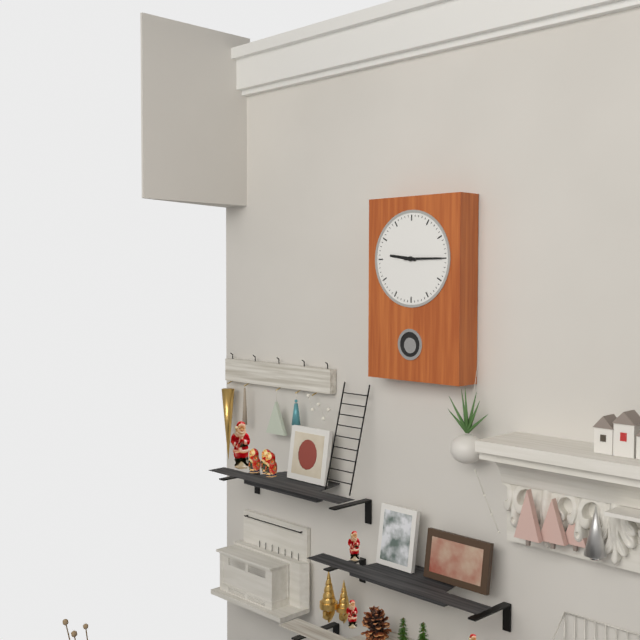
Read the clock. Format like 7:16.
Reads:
9:15
